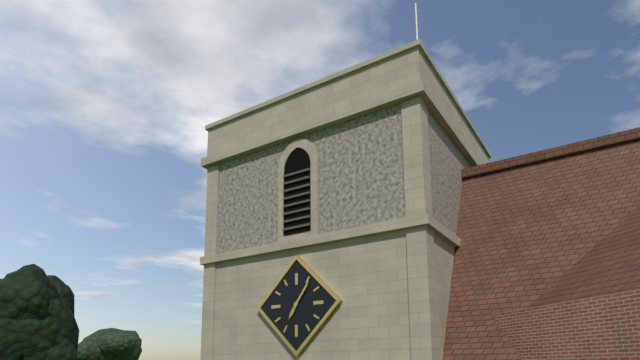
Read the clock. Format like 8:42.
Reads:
7:06
